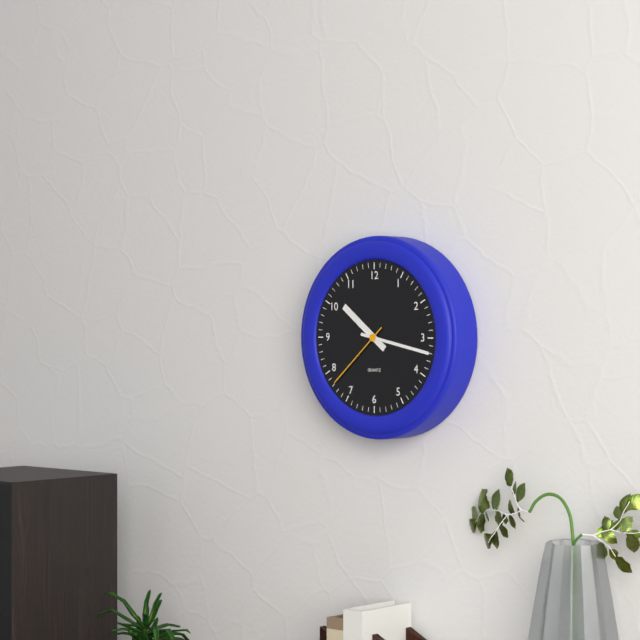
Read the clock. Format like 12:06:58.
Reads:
10:17:38
